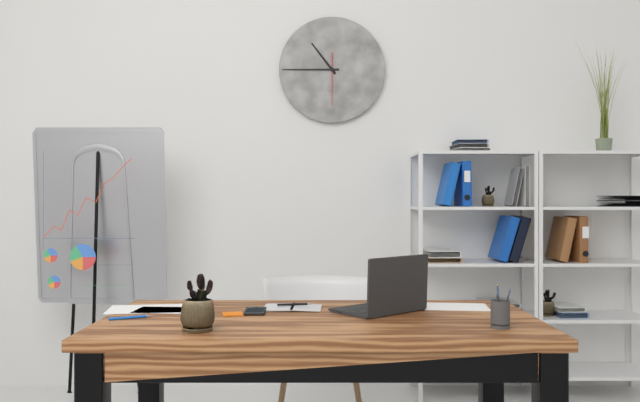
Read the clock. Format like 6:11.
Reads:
10:45
